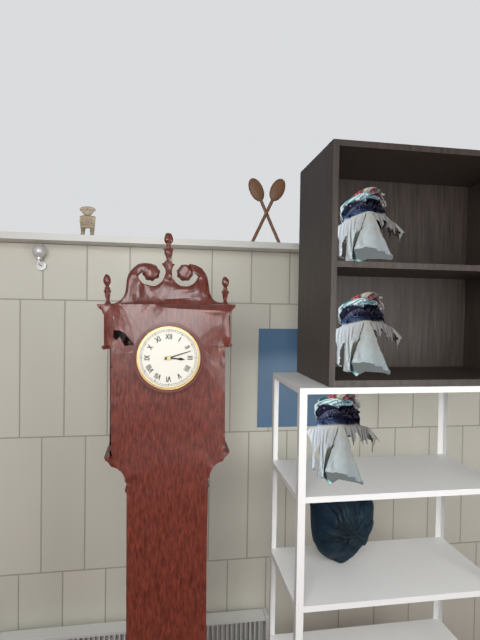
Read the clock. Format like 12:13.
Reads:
3:12
